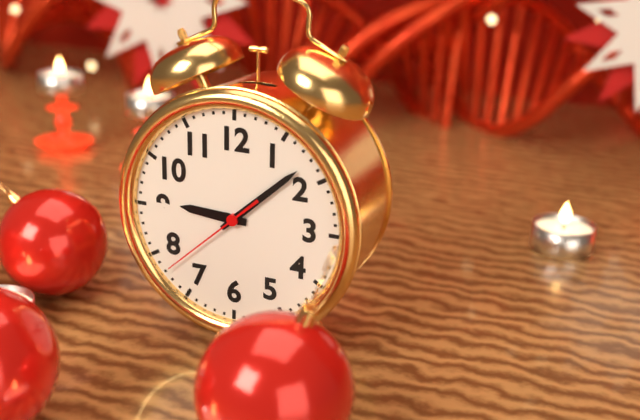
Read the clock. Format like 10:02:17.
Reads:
9:08:38
